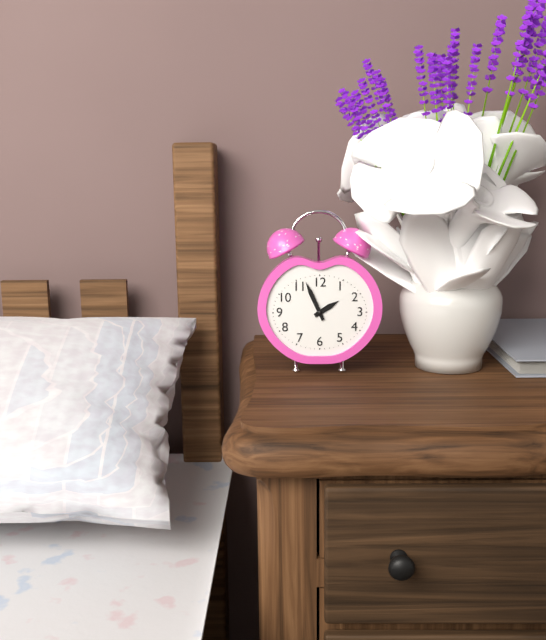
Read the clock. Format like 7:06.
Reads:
1:56
